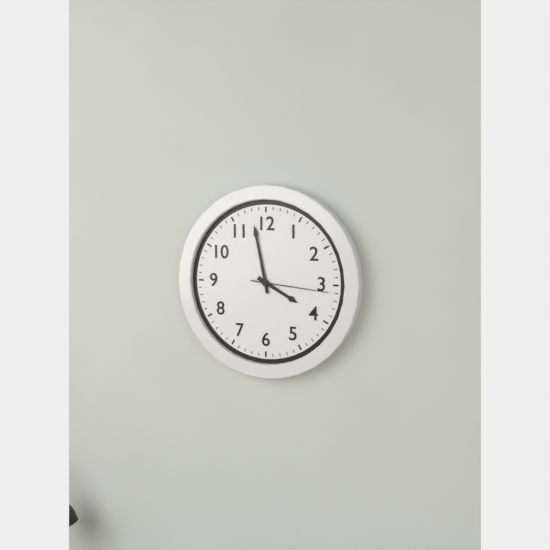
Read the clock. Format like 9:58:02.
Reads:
3:58:16
